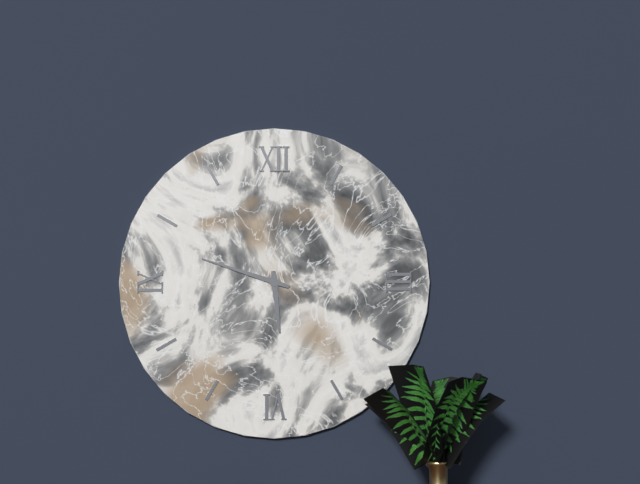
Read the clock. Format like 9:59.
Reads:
5:48
